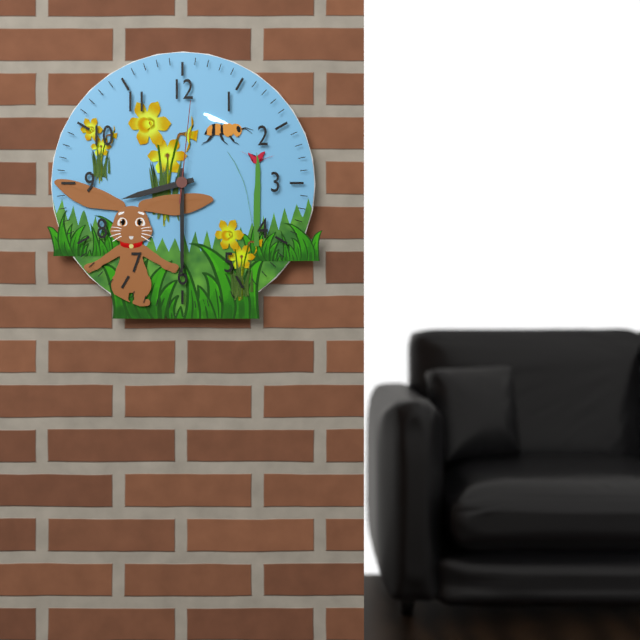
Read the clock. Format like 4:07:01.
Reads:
8:30:01
